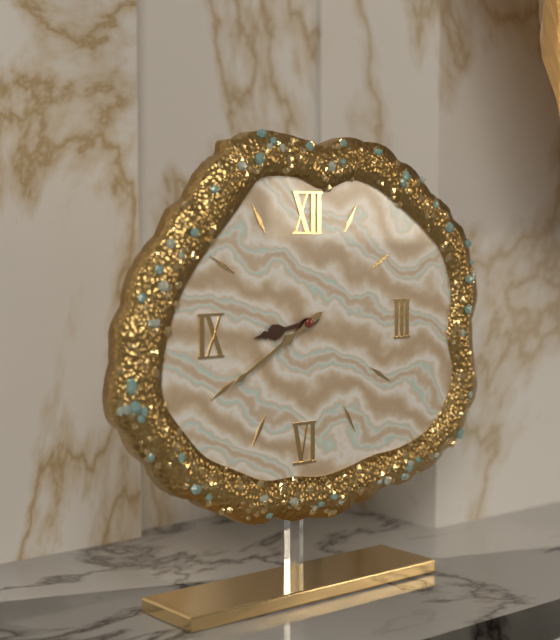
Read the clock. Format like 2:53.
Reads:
8:40
